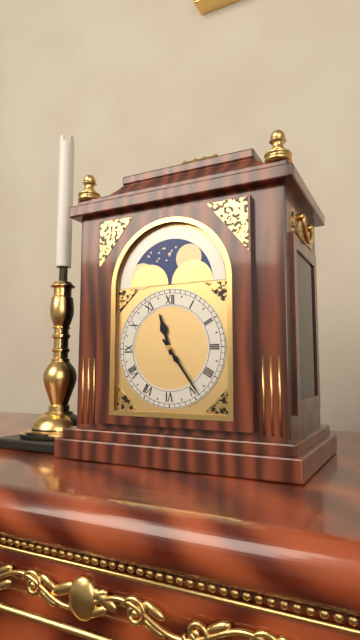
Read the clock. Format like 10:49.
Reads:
11:24
